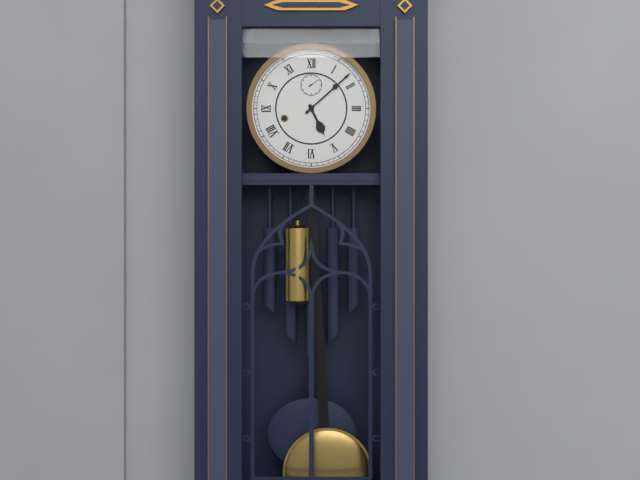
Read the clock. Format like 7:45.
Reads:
5:08
